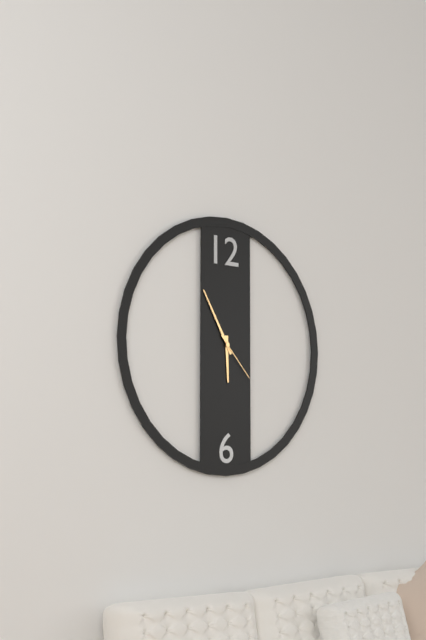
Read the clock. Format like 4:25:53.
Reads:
5:55:23
